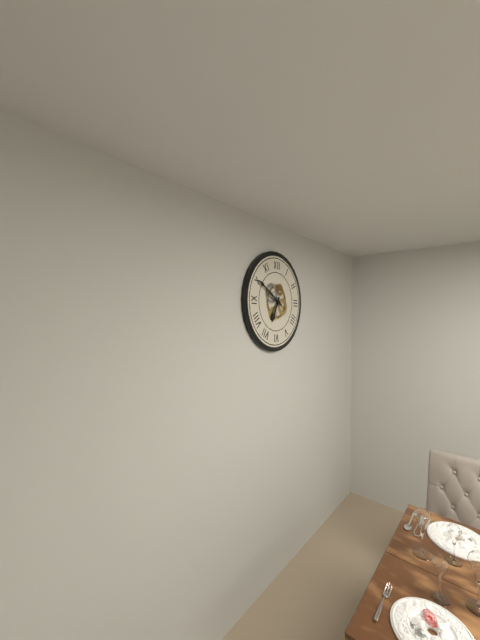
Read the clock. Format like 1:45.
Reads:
6:50
